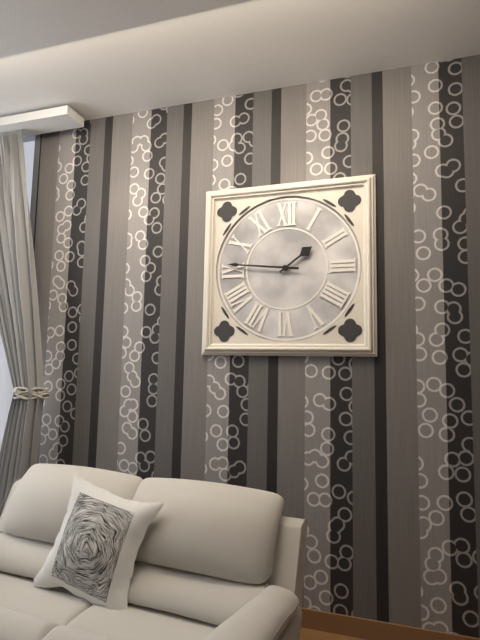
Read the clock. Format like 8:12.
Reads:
1:46
